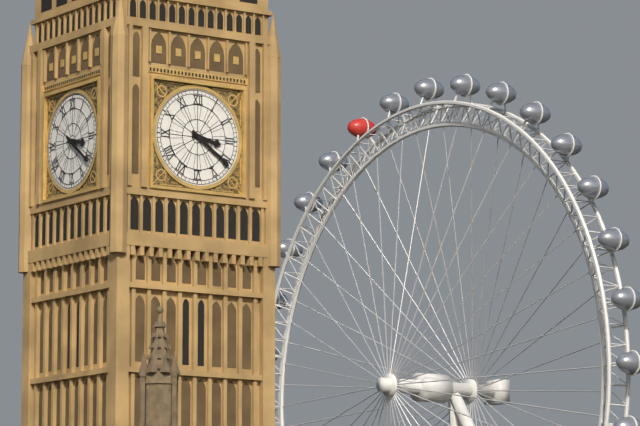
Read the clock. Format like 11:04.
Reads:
3:21
